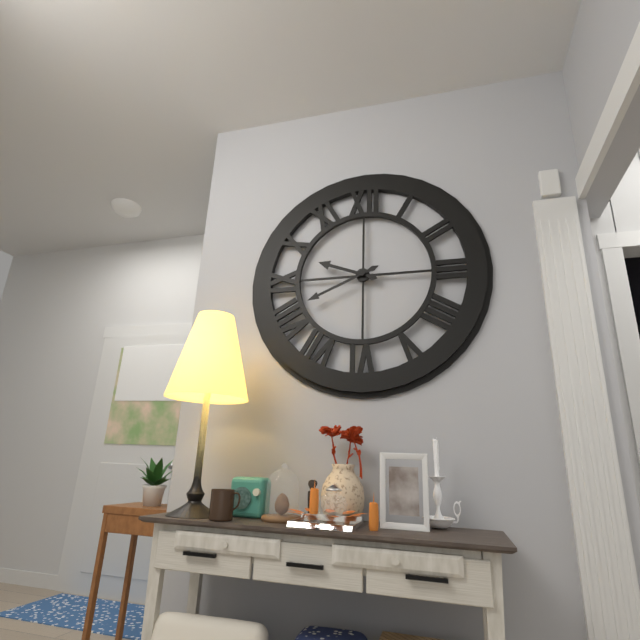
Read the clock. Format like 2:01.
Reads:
9:41
